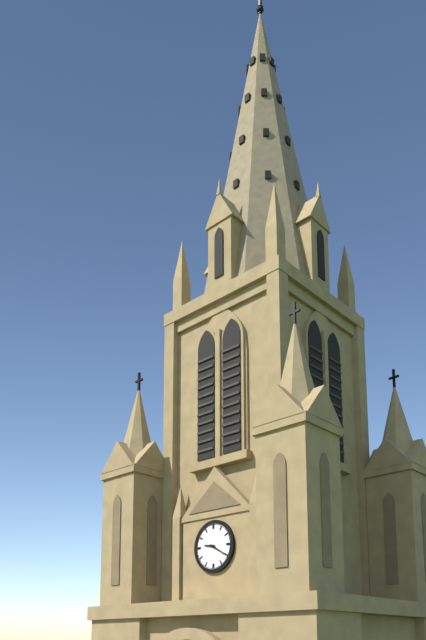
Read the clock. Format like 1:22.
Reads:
9:20
